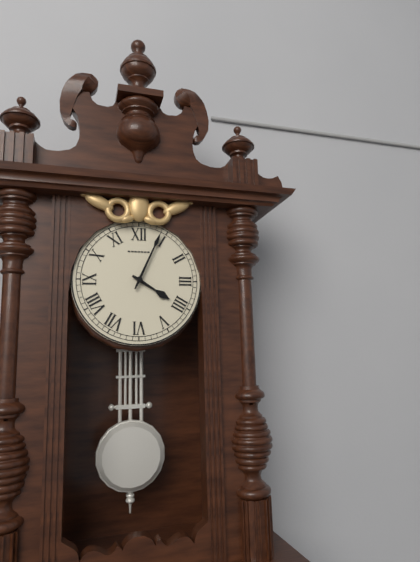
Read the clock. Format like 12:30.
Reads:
4:04
